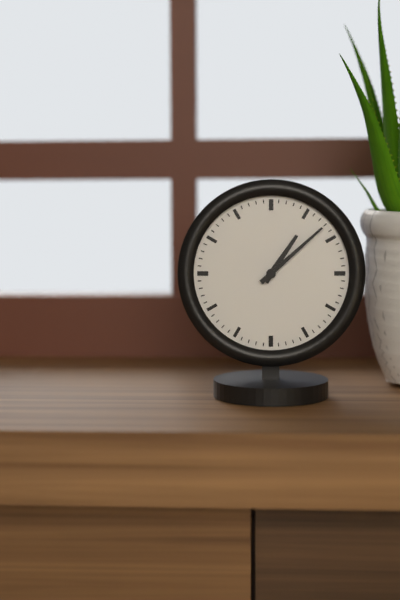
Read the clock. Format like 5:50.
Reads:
1:08
